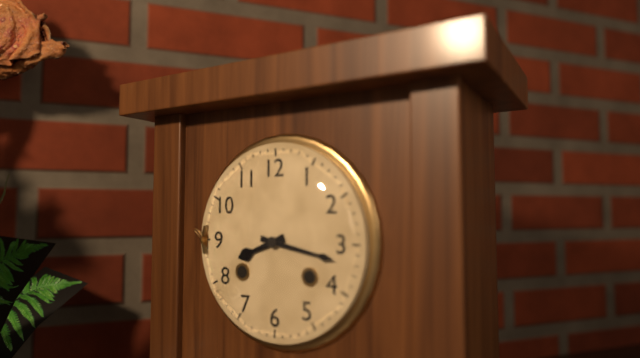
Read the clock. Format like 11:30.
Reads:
8:17
